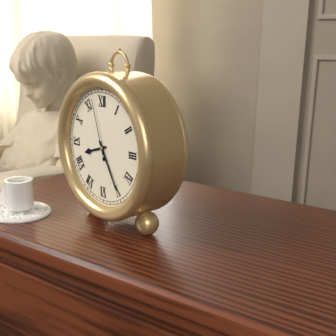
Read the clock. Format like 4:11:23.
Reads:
8:25:57
